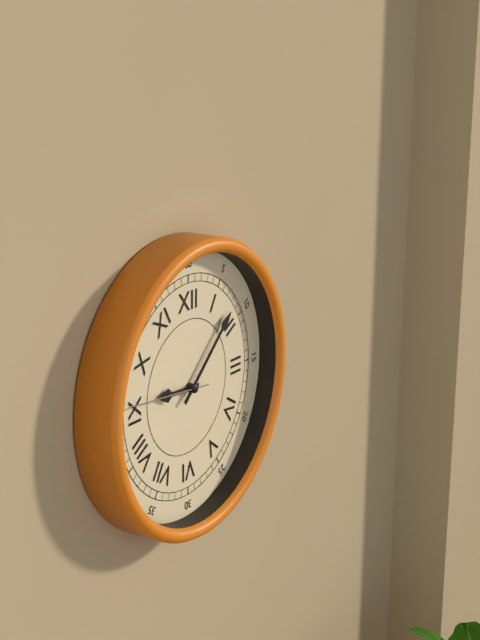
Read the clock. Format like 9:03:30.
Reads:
9:08:46
